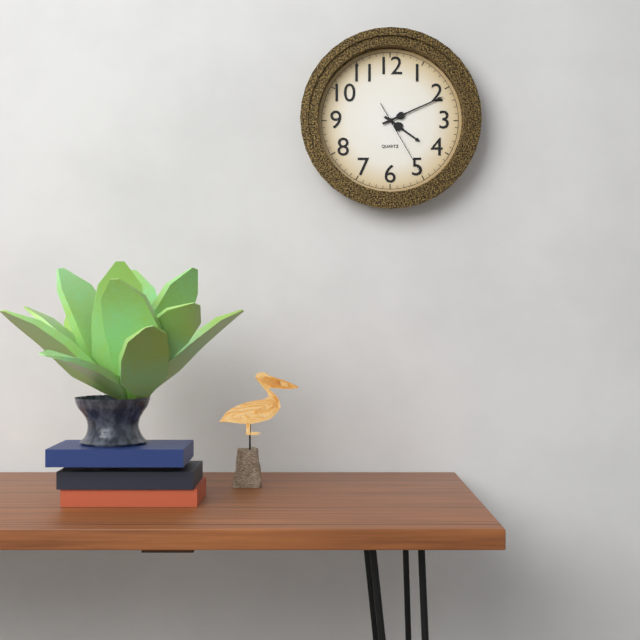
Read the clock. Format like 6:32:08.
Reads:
4:11:25
